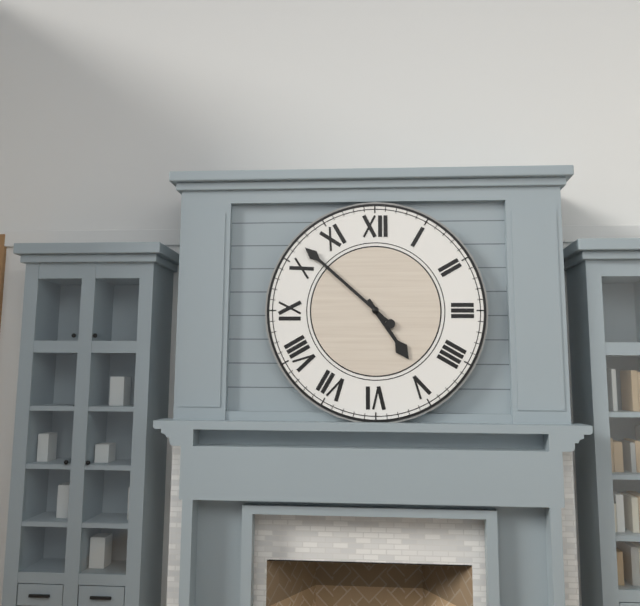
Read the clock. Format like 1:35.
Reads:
4:52
